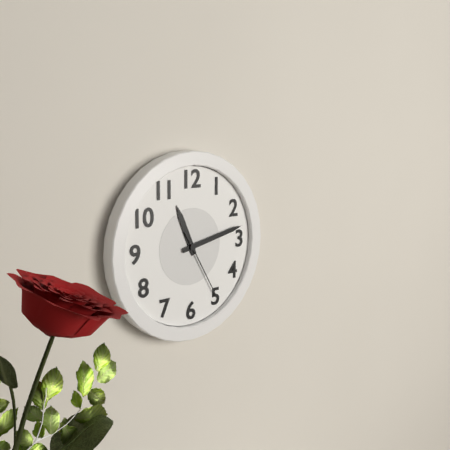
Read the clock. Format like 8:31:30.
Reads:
11:13:25
